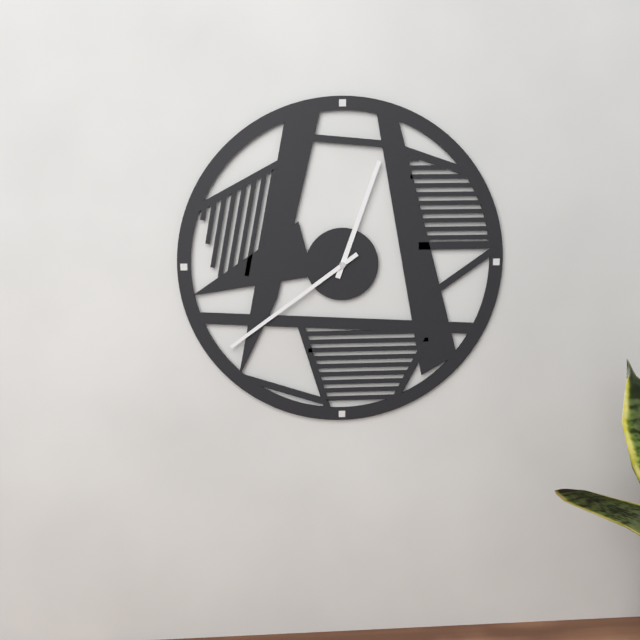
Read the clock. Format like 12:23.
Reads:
12:39
